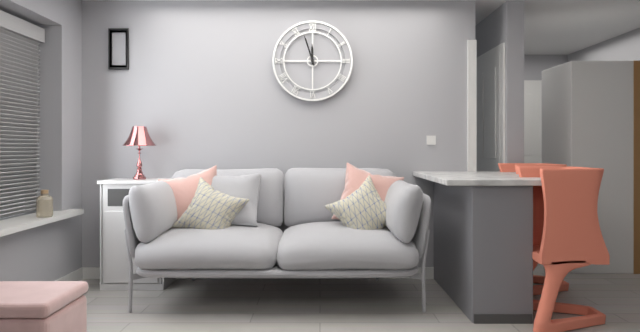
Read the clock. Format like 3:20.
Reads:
11:57
